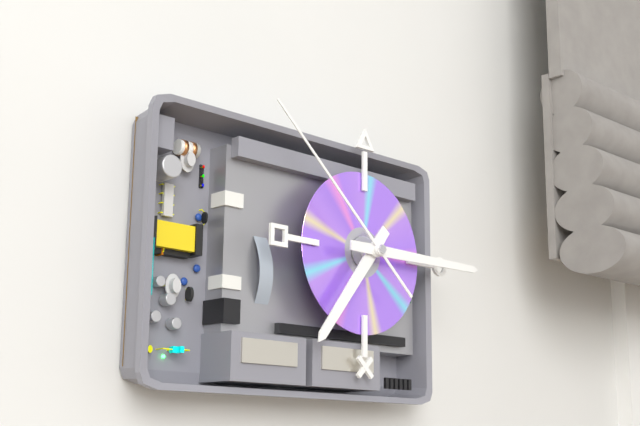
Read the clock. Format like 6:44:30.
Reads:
7:15:52
